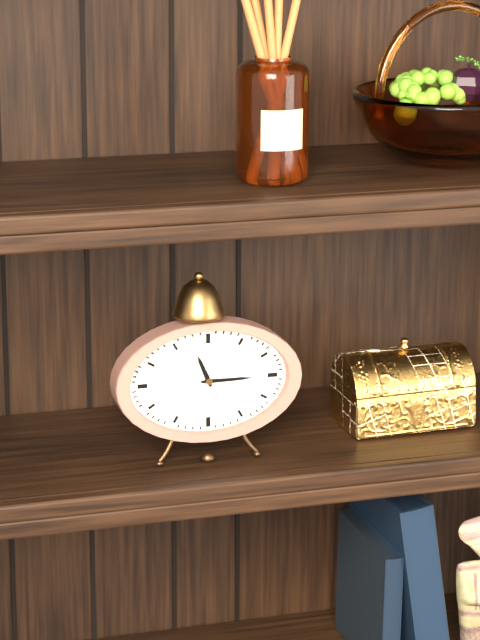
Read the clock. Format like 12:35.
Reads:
11:15
